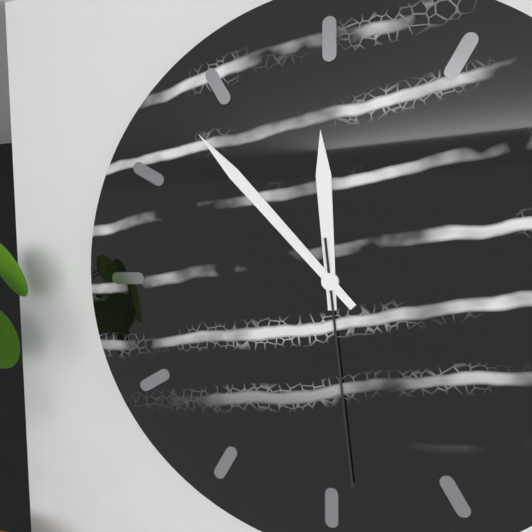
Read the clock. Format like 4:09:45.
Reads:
11:53:29
